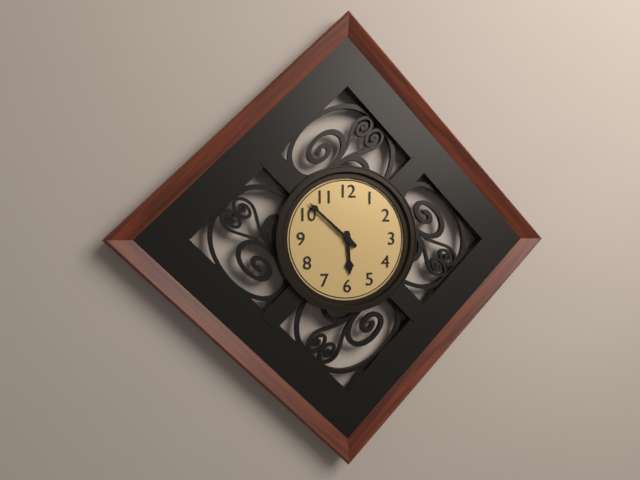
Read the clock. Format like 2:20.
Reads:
5:52
